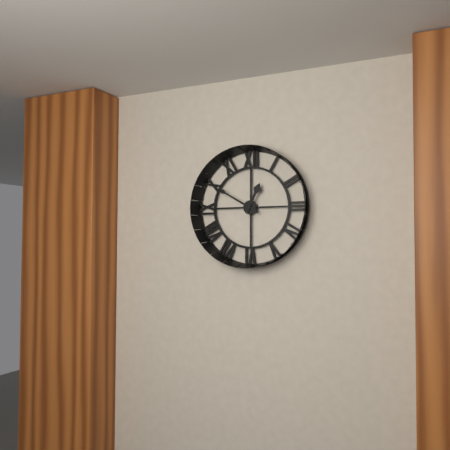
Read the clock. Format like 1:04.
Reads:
12:50
